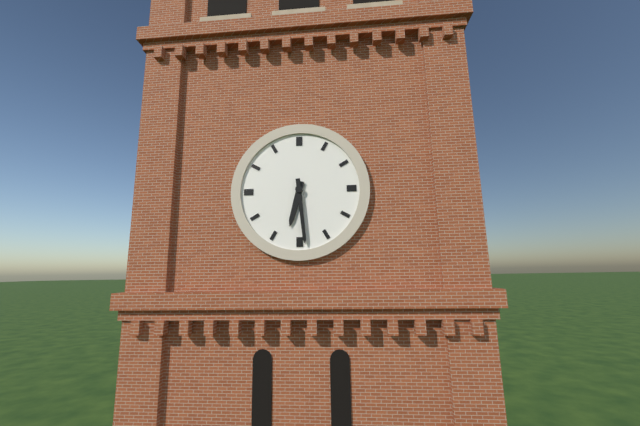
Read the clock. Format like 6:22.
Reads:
6:29
